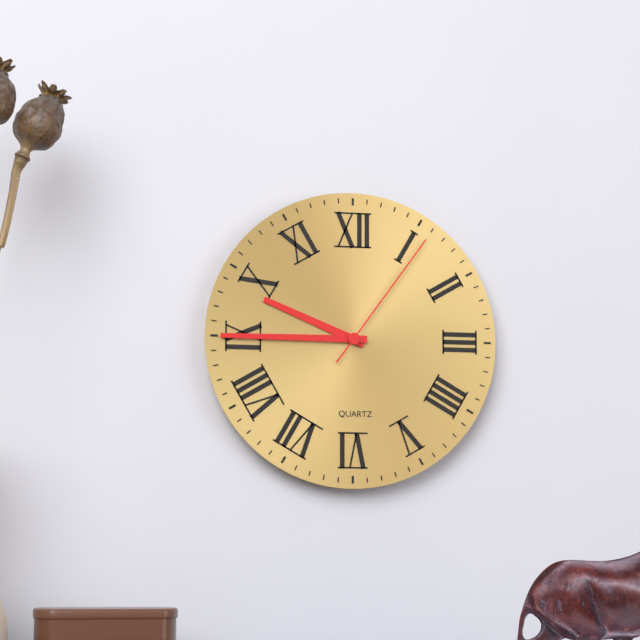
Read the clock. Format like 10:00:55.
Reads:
9:45:06
